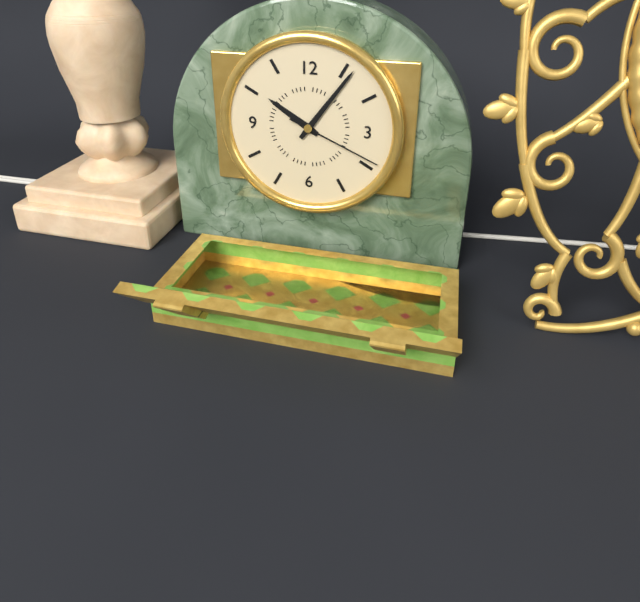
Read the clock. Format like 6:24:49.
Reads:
10:06:19
